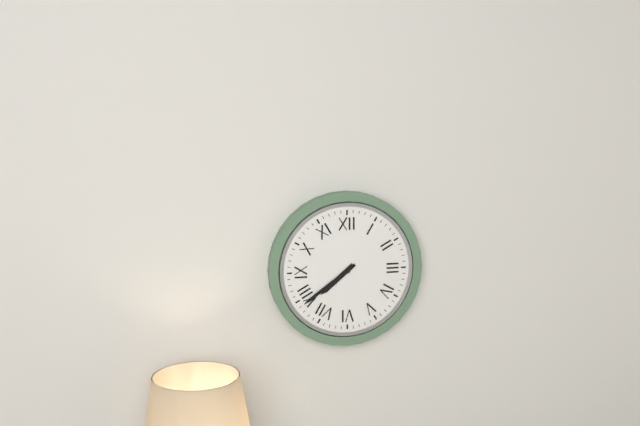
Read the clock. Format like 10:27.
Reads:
7:39
